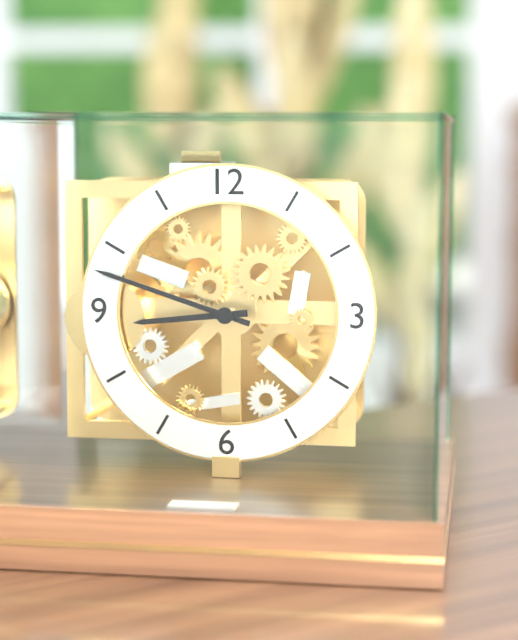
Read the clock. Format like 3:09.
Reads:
8:48
